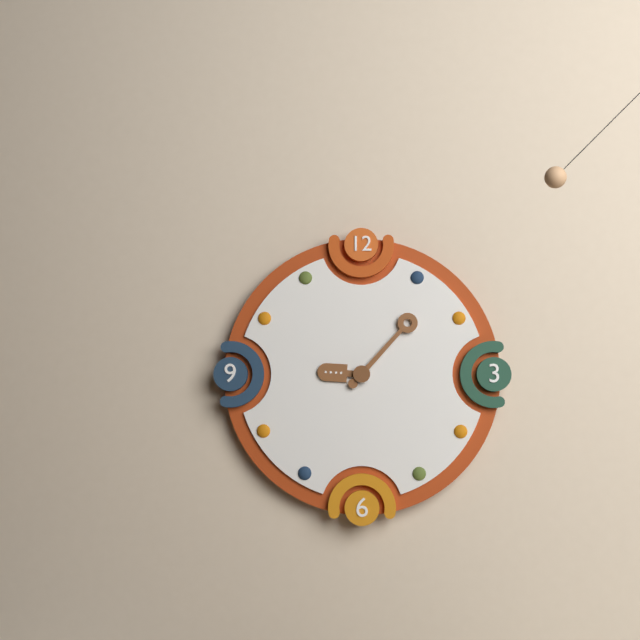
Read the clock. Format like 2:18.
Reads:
9:07
